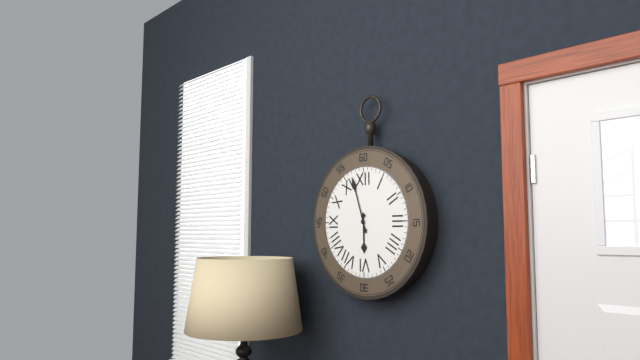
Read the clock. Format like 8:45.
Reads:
5:57
